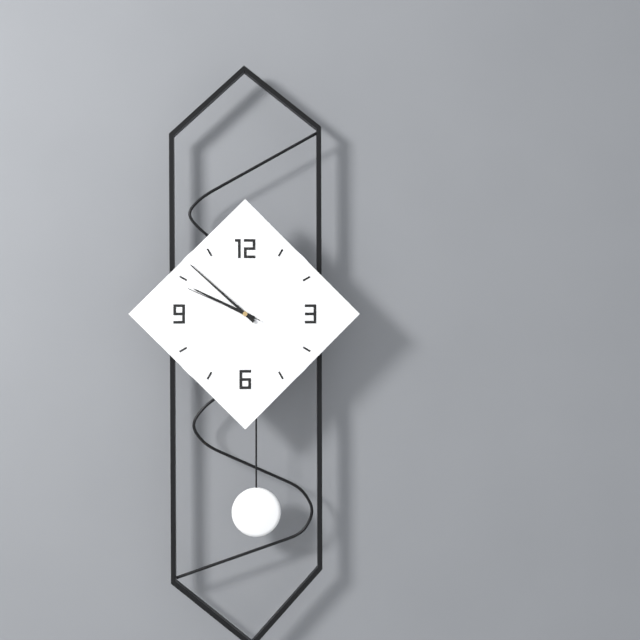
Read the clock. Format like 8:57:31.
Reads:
9:52:49
